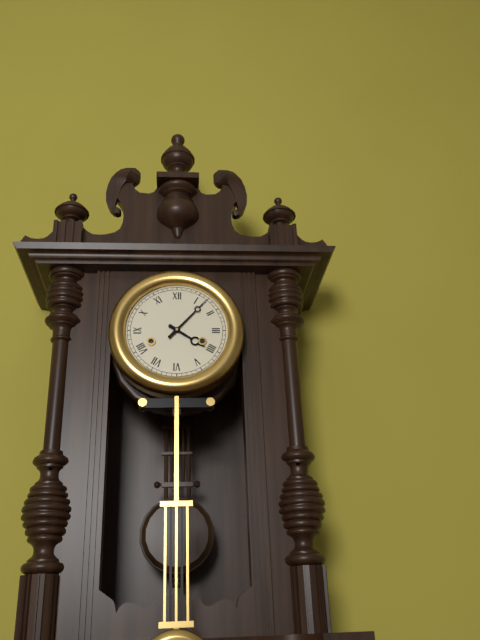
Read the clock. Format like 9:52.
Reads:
4:07
